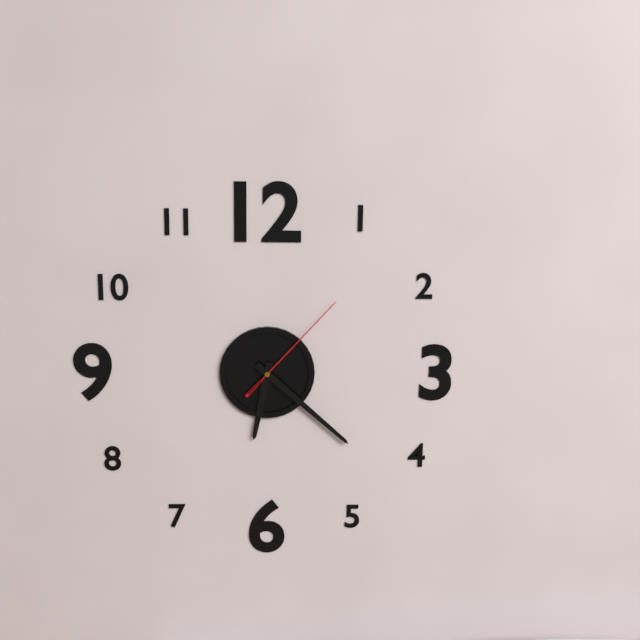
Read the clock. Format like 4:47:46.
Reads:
6:22:07
